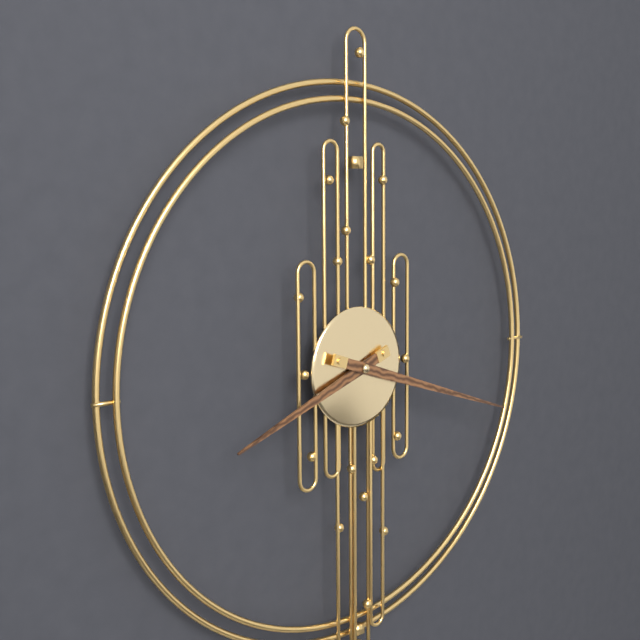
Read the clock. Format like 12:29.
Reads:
8:18
